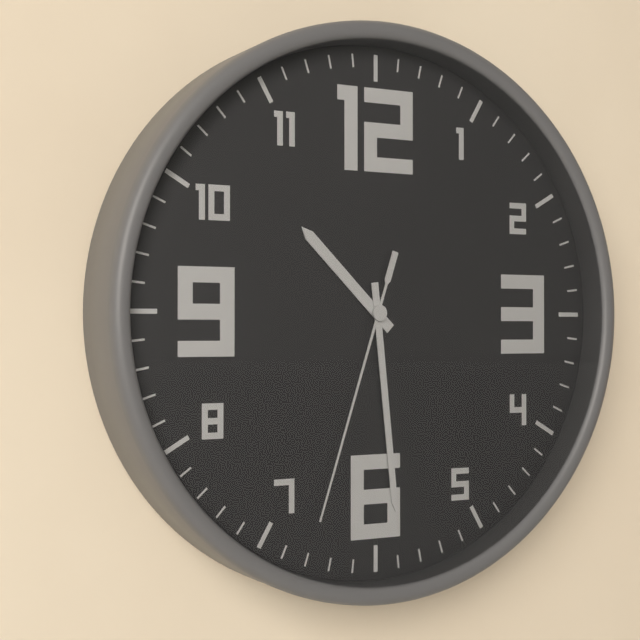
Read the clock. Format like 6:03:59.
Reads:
10:29:33
